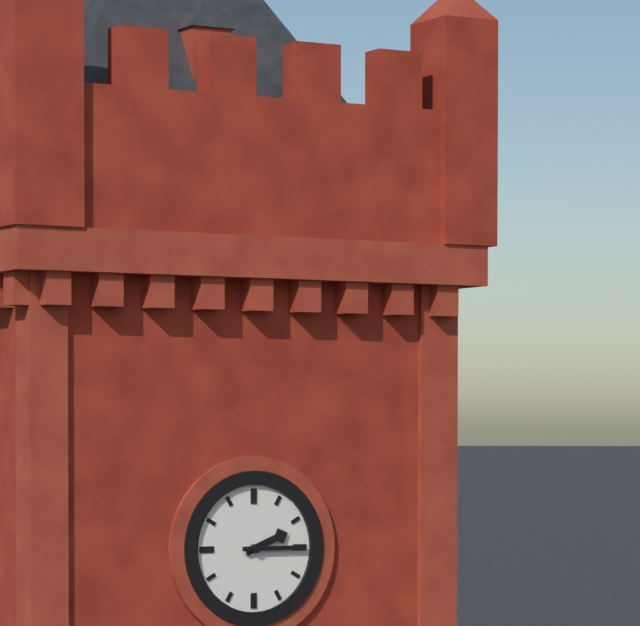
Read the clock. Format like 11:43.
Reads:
2:15
